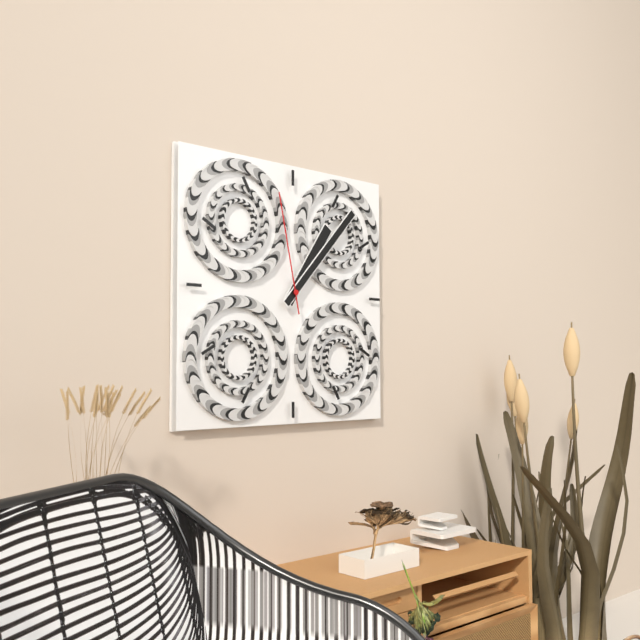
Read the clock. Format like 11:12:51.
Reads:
1:07:58
